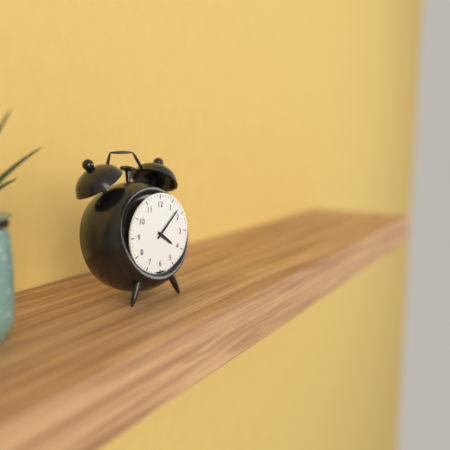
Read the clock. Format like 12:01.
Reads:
4:08
